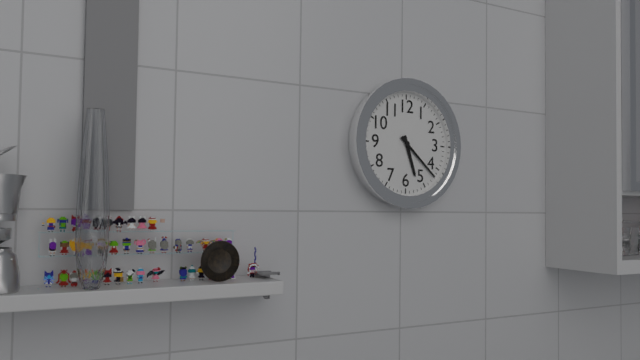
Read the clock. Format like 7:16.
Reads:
5:22
